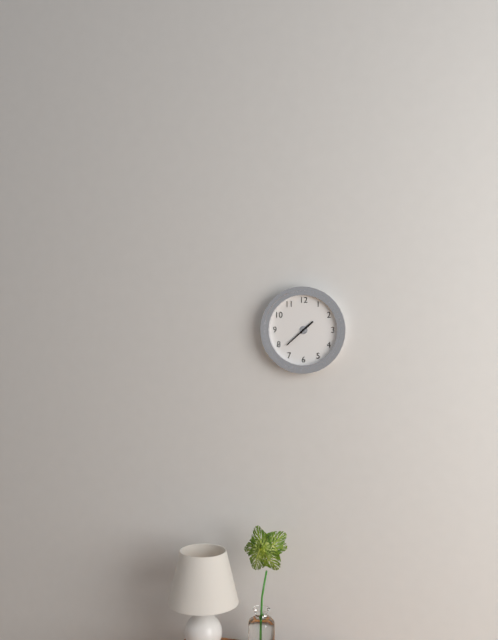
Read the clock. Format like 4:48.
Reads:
1:38
